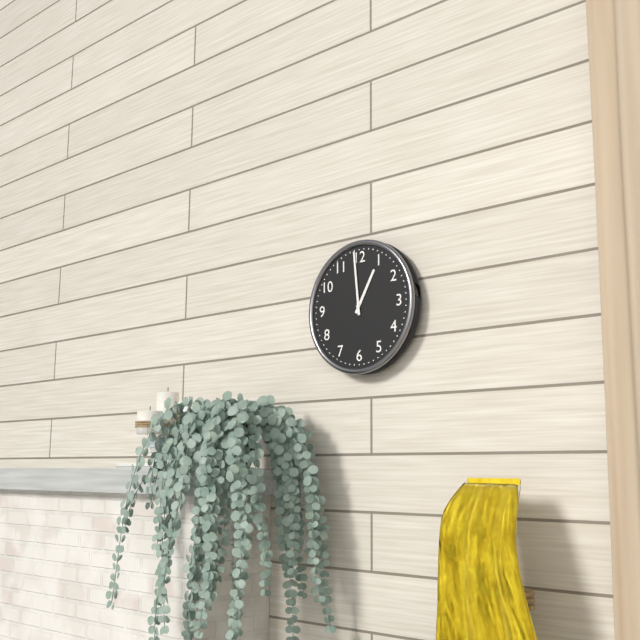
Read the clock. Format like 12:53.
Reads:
12:59
